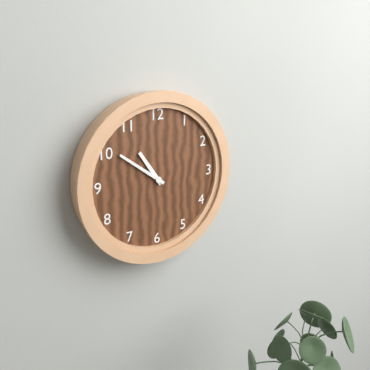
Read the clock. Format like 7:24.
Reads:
10:51
